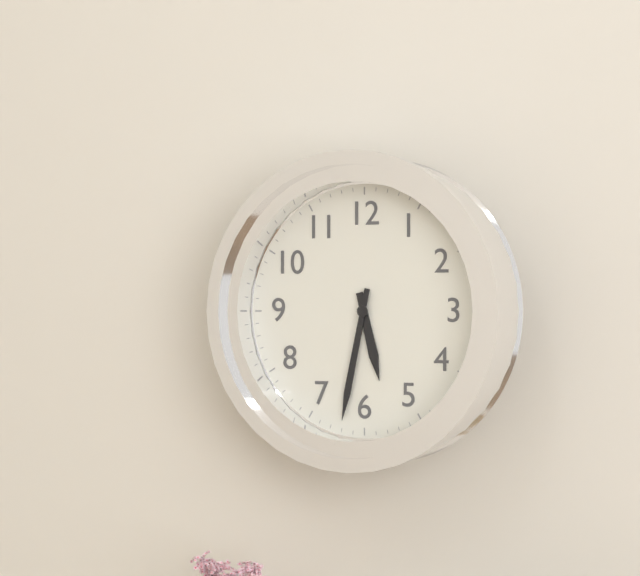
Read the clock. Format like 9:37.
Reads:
5:32
